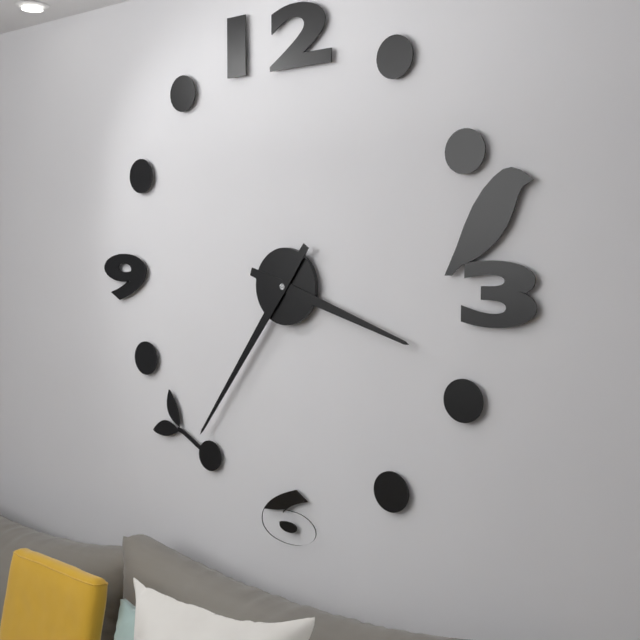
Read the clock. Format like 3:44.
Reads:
3:36
